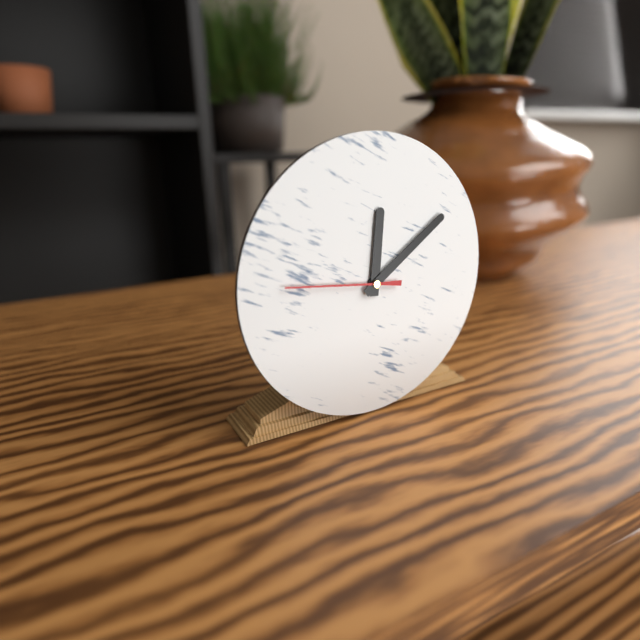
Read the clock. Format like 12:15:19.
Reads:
12:09:46
